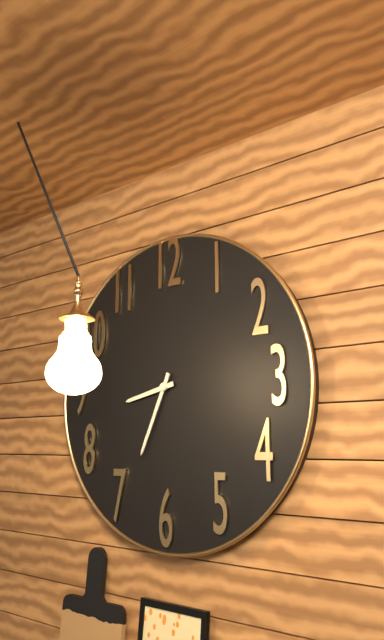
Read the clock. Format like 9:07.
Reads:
8:34
